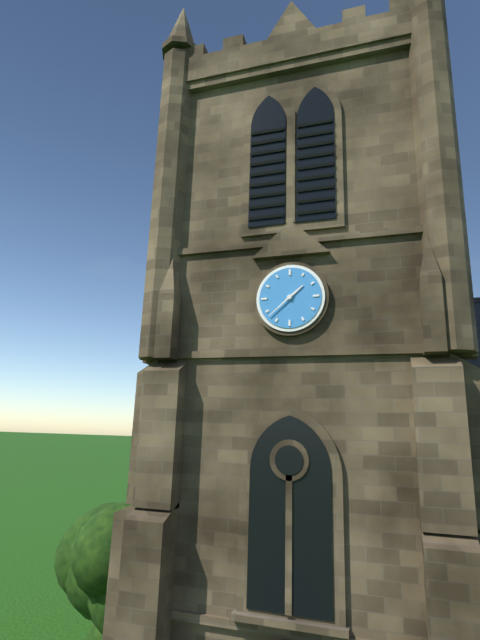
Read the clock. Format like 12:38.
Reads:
1:38
